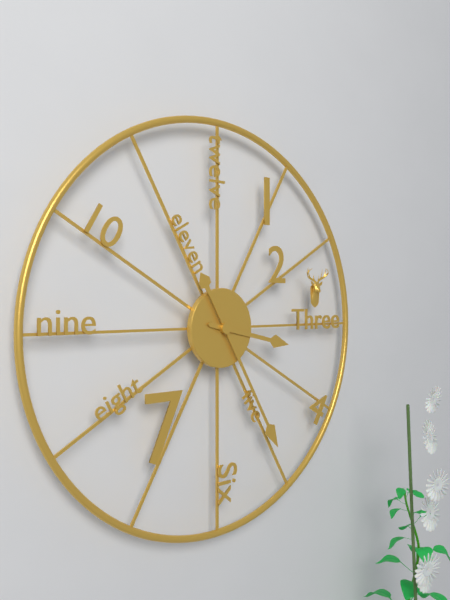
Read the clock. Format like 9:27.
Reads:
3:25
